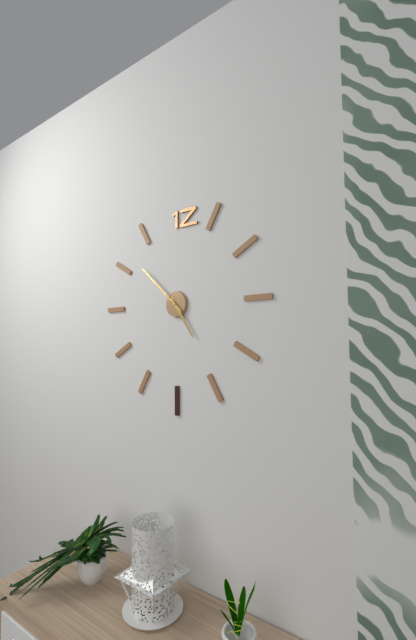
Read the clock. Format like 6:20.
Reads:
4:52
